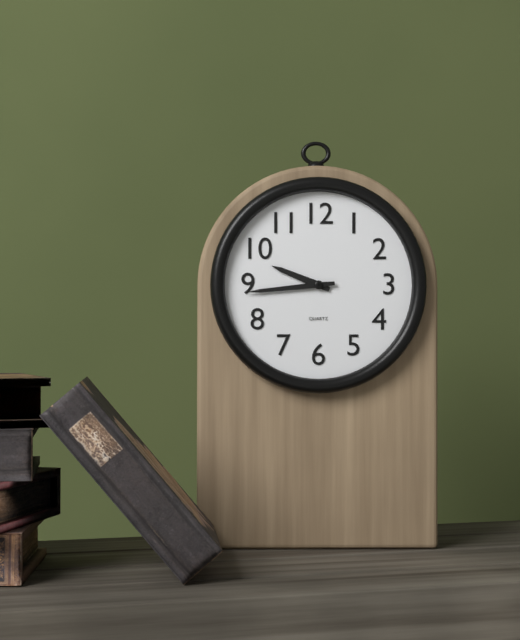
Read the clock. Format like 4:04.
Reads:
9:44
